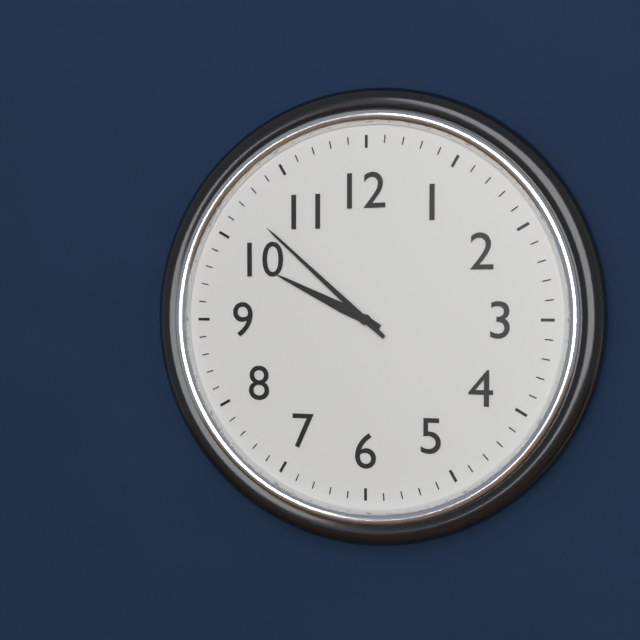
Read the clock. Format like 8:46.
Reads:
9:52
